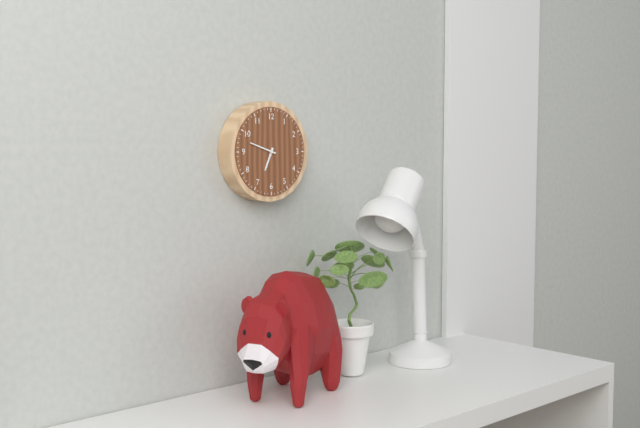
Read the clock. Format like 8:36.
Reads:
6:48
